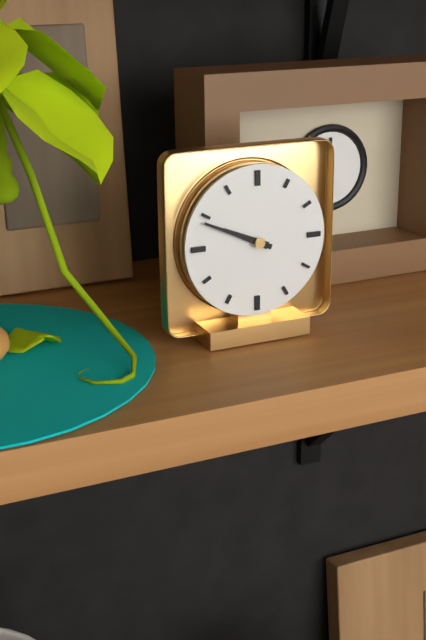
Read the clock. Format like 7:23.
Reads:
9:49
